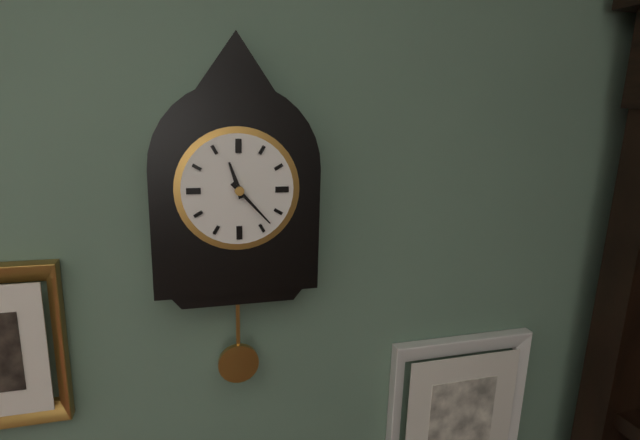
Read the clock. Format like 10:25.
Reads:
11:23
